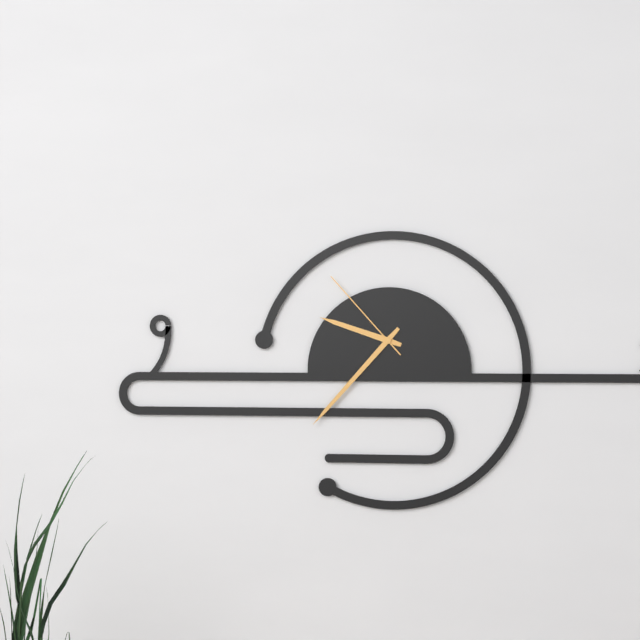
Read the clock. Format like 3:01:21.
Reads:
9:37:53
